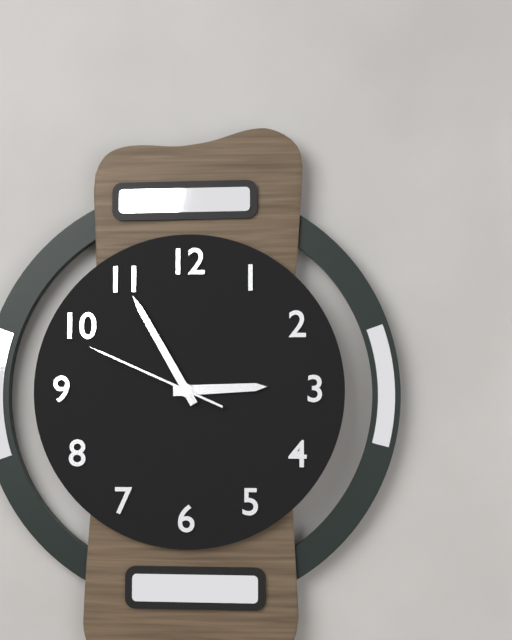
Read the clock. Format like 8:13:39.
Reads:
2:55:49
